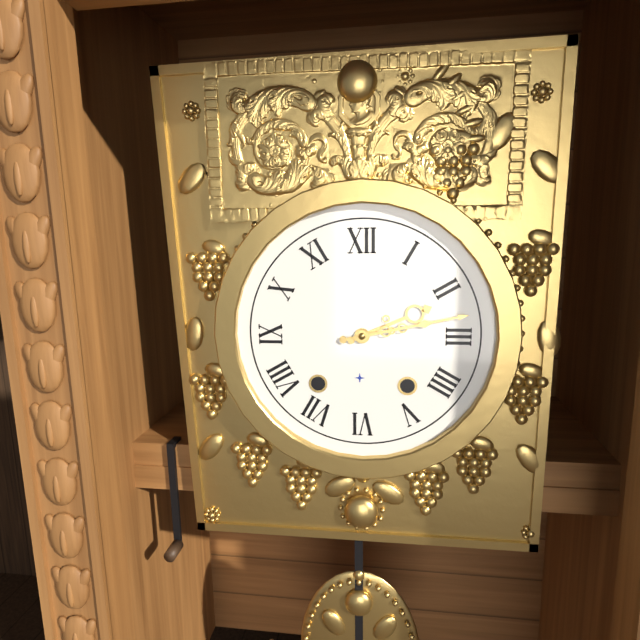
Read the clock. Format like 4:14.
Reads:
2:13
